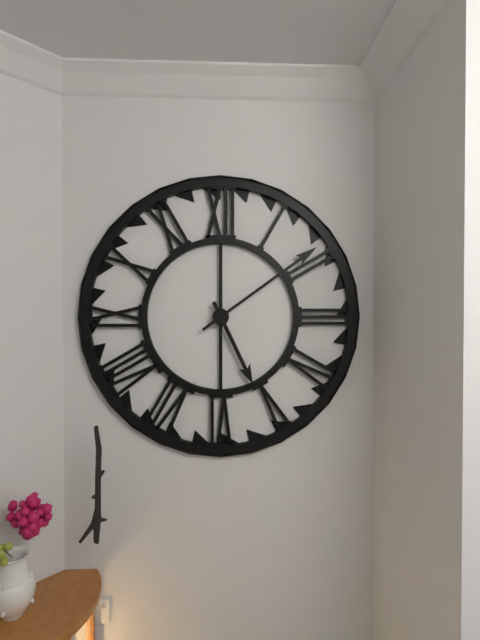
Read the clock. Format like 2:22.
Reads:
5:09
